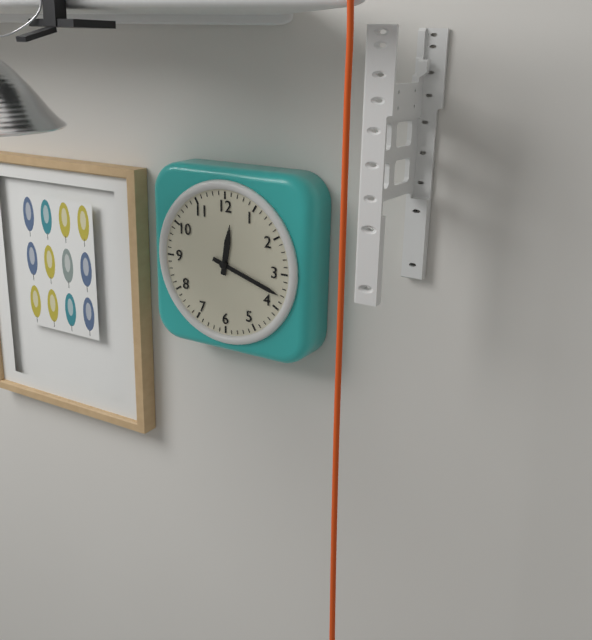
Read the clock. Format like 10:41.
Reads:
12:18
